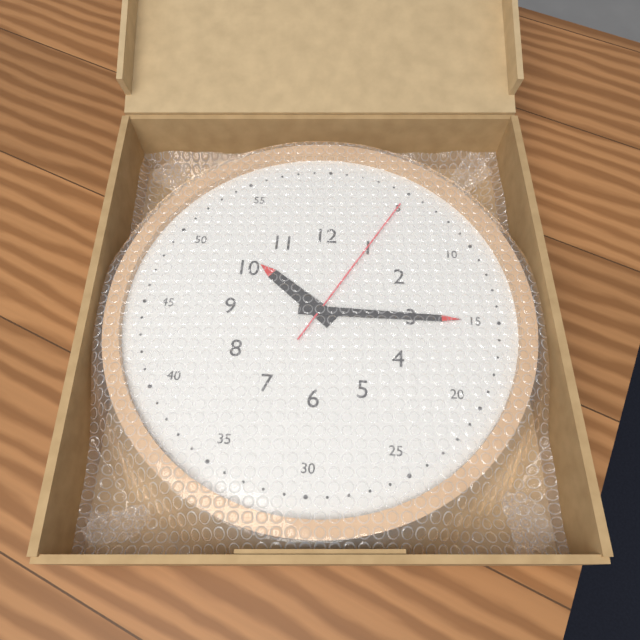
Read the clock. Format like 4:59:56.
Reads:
10:15:05
